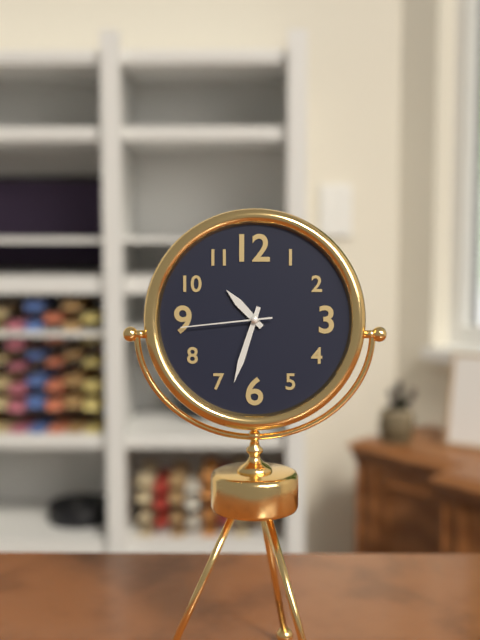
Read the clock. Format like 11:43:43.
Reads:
10:33:44
